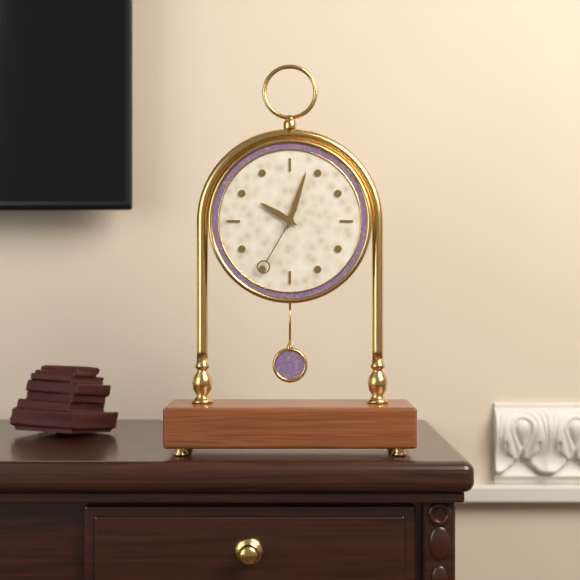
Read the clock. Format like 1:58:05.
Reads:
10:03:35
